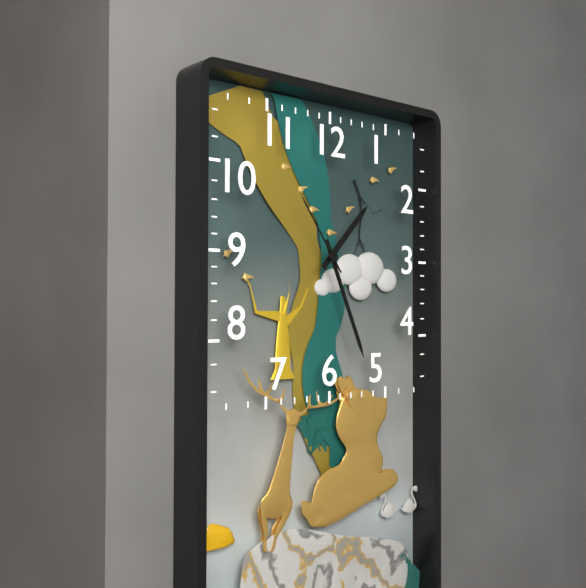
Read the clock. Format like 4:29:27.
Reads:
1:26:54
